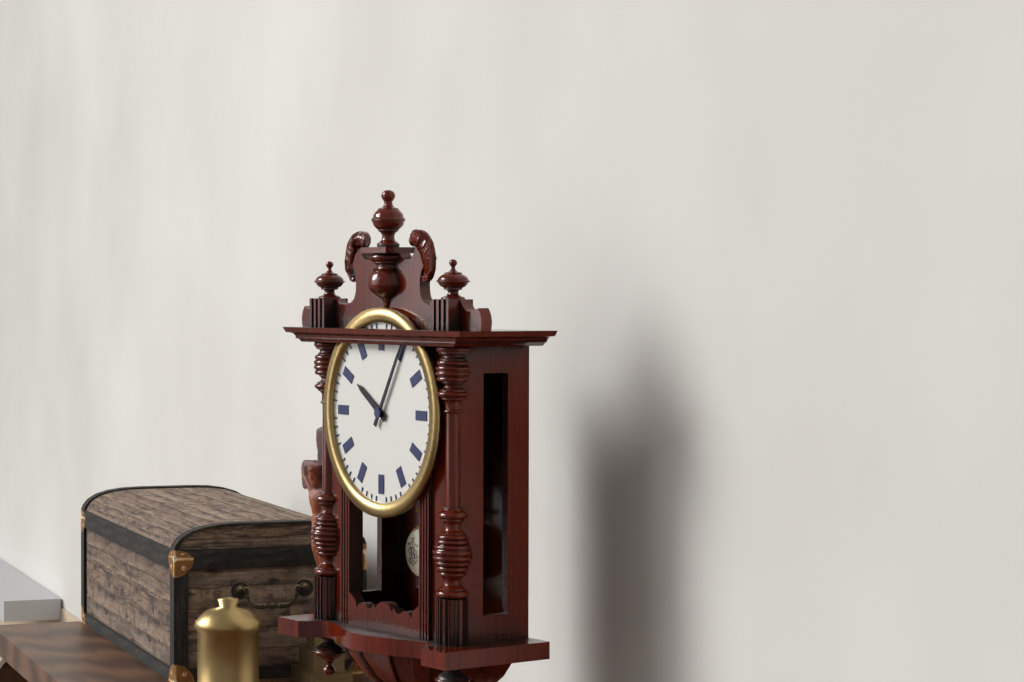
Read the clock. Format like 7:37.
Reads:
10:05
